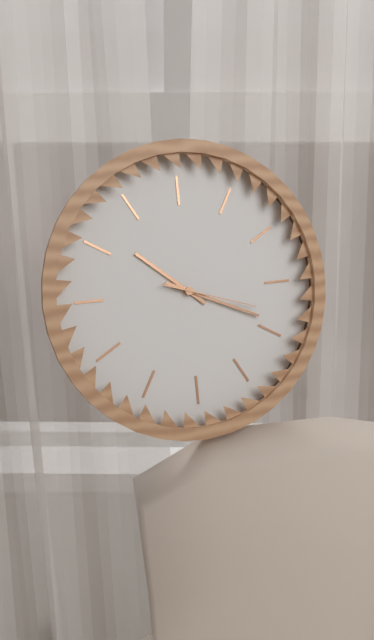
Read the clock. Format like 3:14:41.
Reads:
10:19:18
